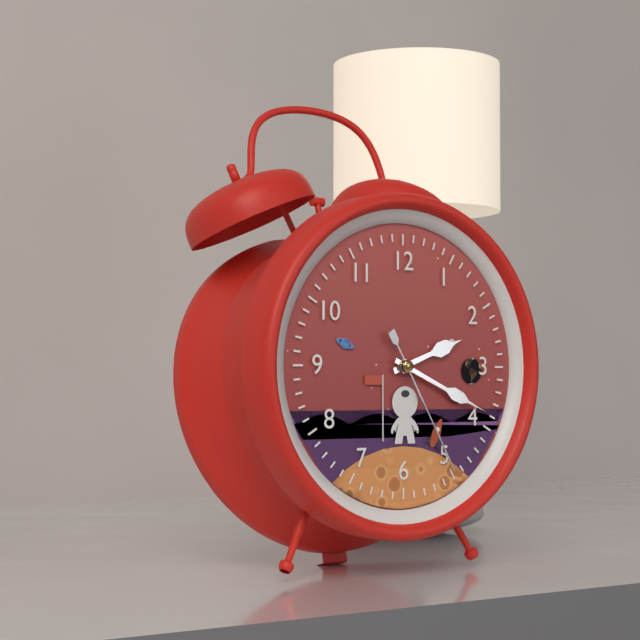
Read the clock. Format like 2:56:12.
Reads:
2:19:25
